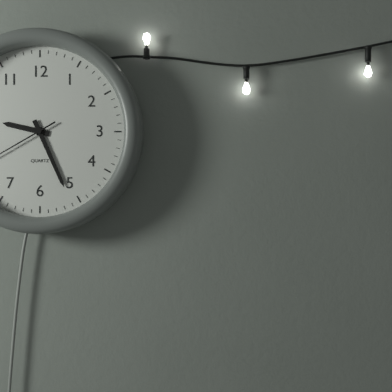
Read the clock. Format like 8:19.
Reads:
9:26
